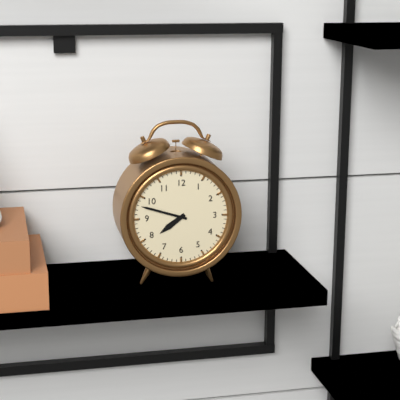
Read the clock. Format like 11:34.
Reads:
7:48
